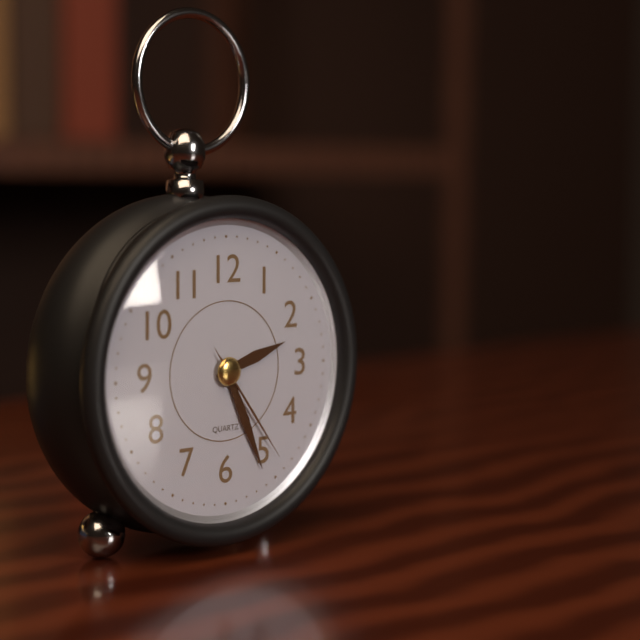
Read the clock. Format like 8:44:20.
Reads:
2:26:24
